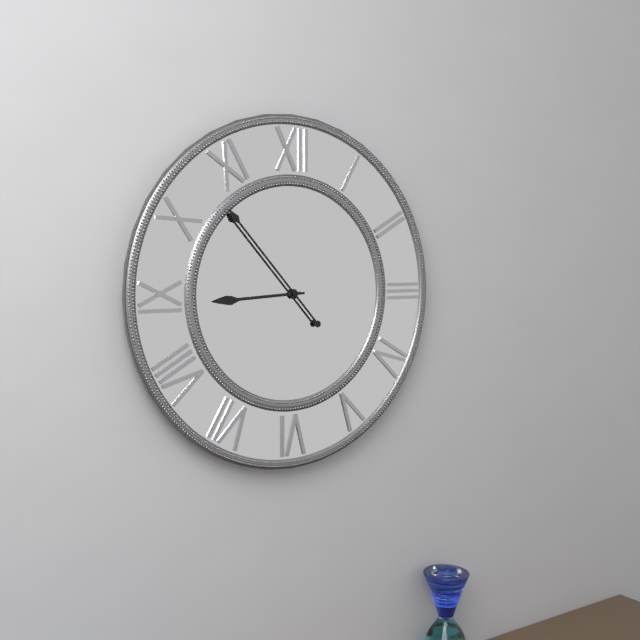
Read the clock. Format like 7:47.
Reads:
8:53
